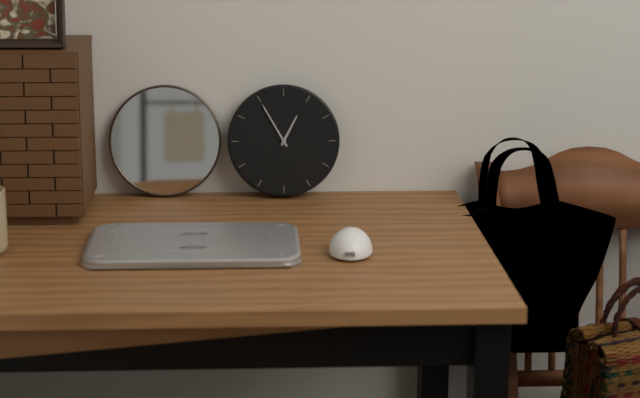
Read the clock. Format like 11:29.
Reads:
12:55
